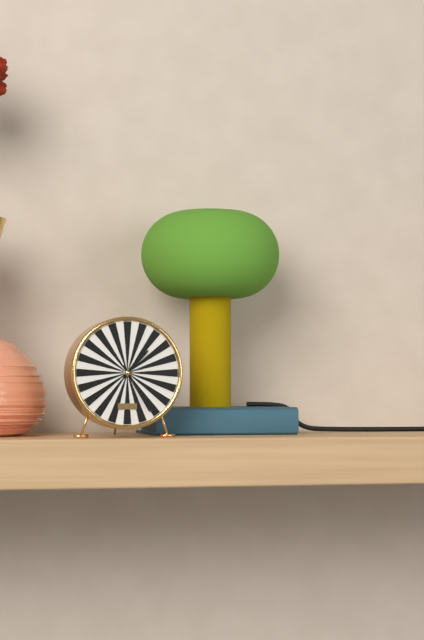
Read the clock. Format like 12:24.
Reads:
1:25
